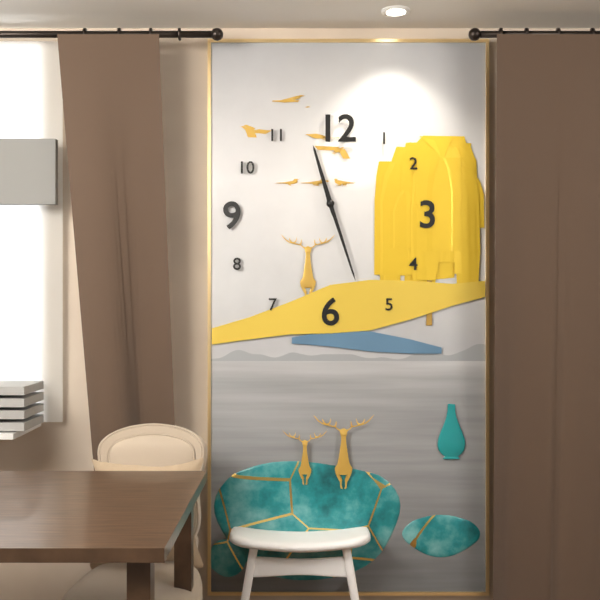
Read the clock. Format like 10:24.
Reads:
11:27
